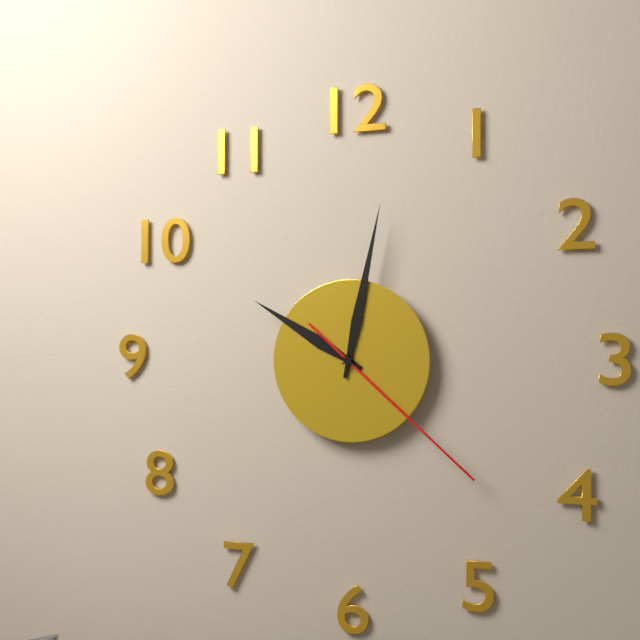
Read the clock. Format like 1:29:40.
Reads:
10:02:22
